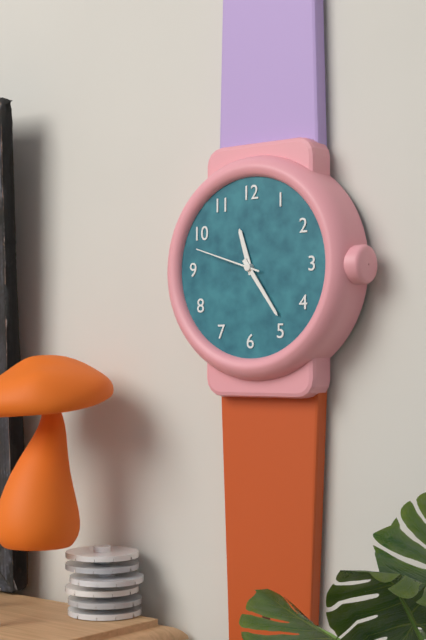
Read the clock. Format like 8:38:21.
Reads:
11:24:48
